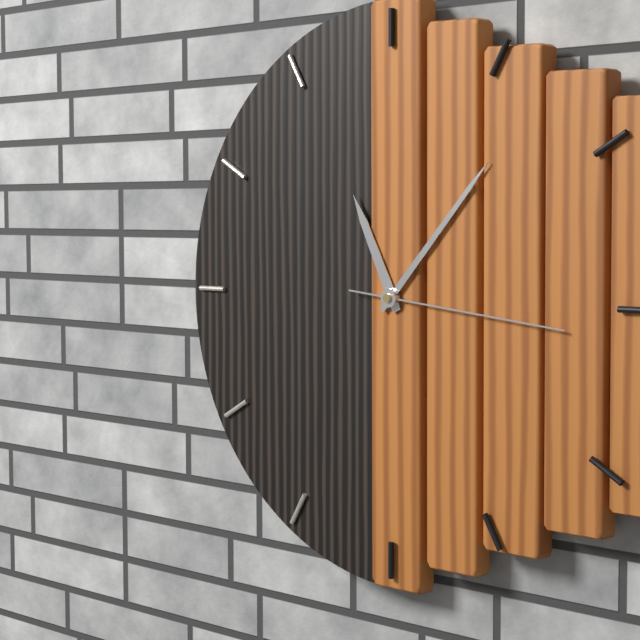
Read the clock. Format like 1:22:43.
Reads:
11:07:16
